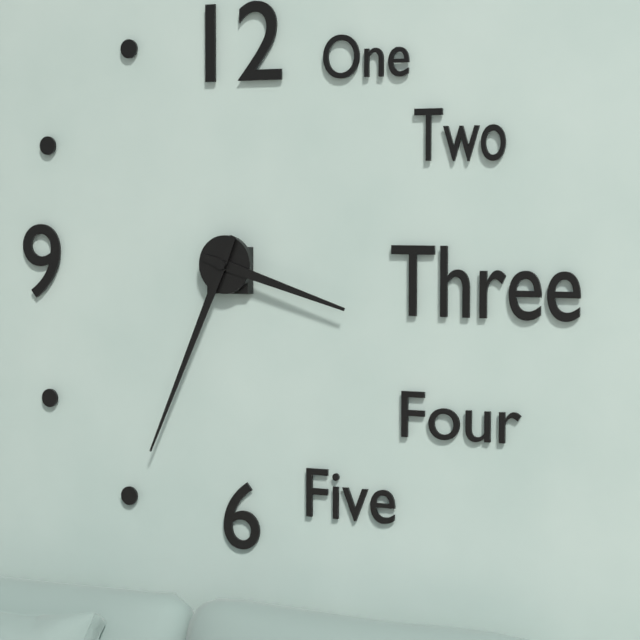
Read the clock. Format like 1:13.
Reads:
3:34
